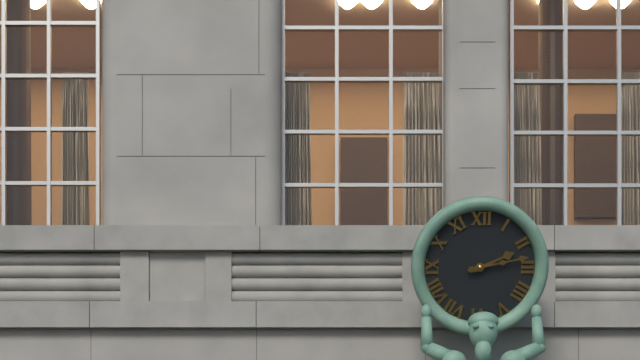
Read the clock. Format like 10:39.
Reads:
2:13
